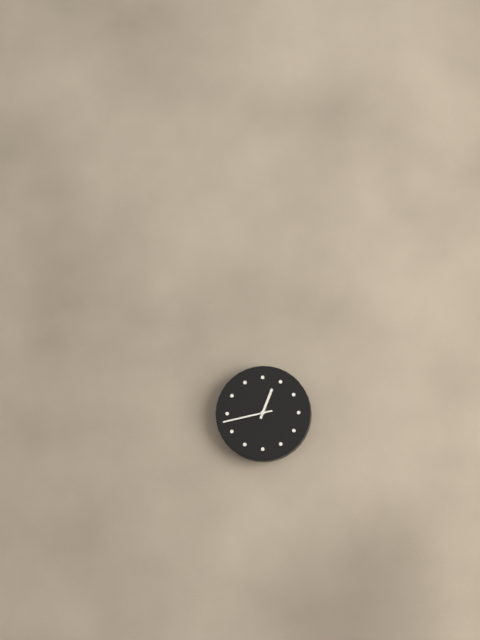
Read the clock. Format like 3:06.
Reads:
12:43
